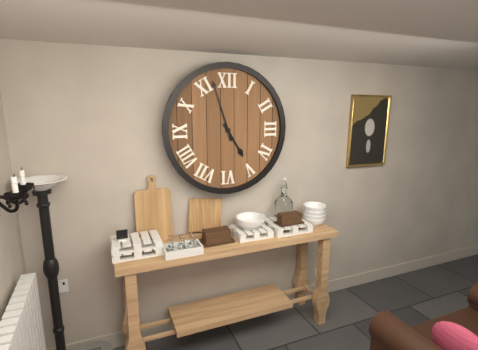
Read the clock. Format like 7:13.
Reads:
4:57
